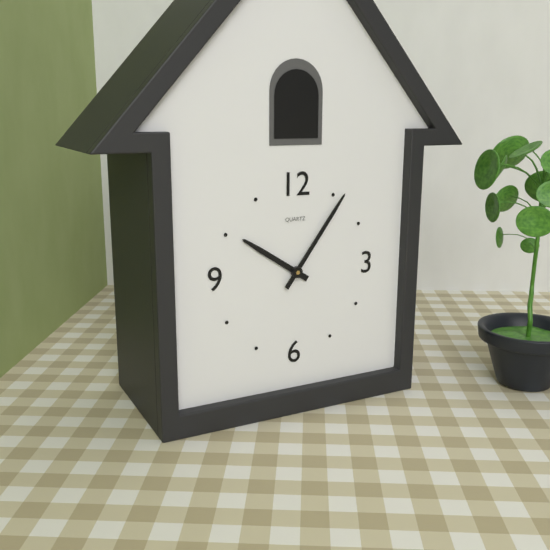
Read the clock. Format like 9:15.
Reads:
10:06
